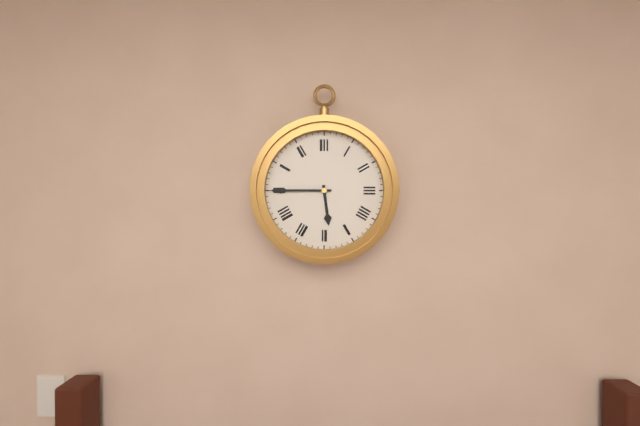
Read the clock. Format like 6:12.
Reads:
5:45
